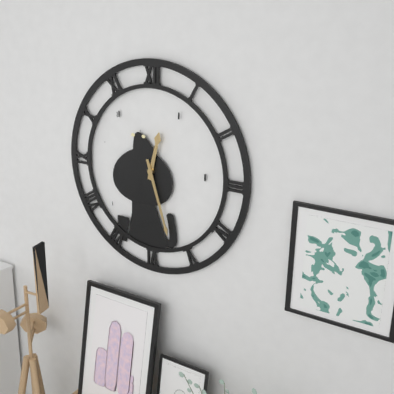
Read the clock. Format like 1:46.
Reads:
12:27
